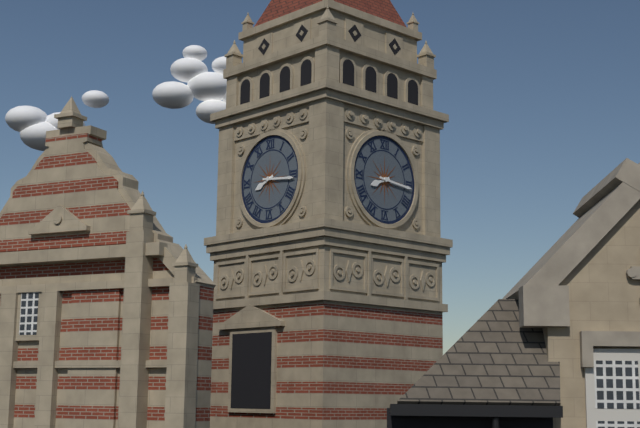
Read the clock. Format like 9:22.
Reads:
8:16
